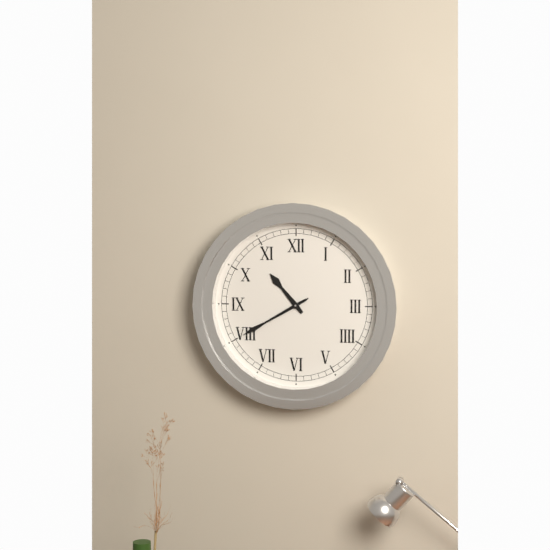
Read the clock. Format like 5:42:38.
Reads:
10:40:40
